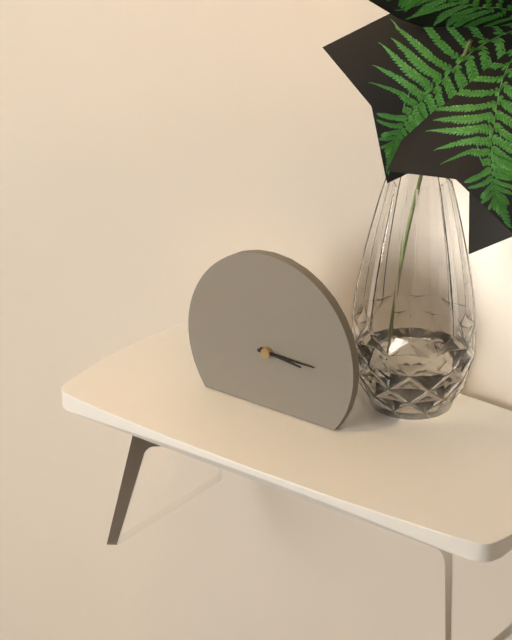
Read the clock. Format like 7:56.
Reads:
3:15
